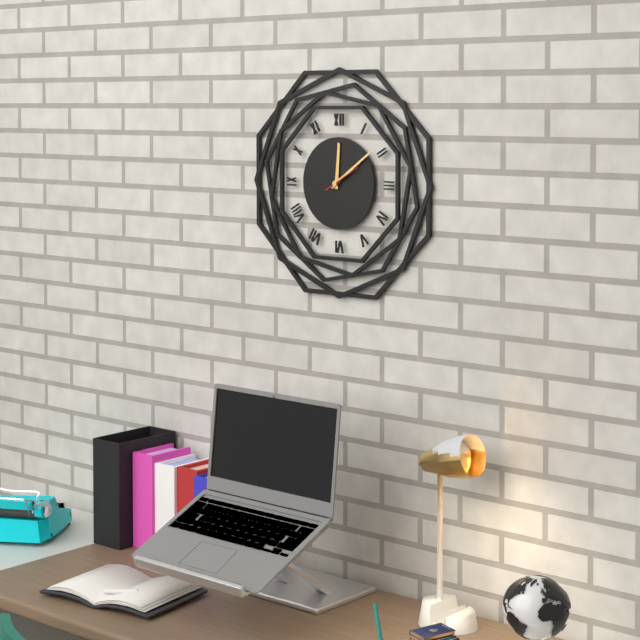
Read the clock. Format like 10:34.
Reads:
12:09
